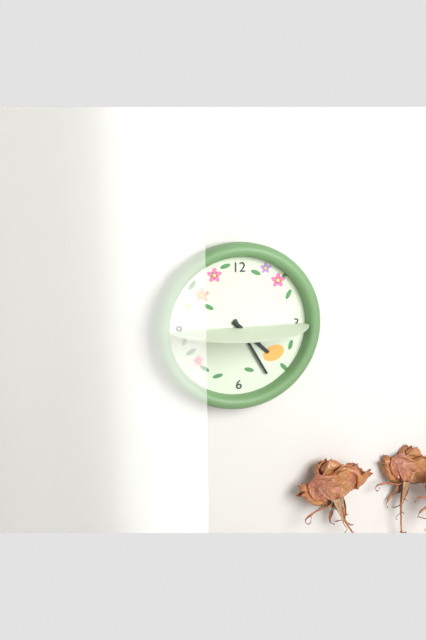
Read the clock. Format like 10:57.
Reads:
4:25
